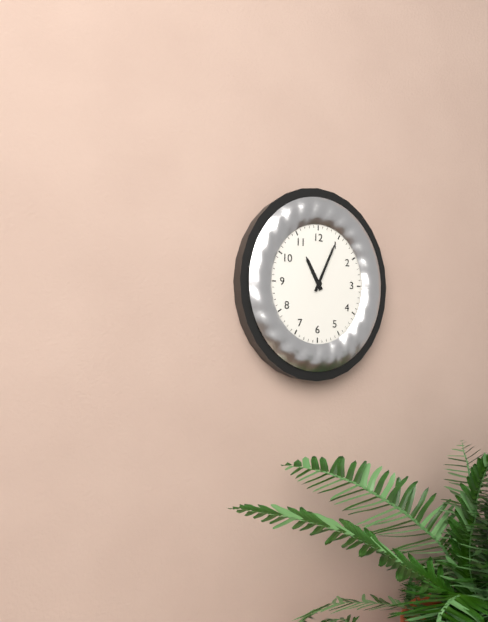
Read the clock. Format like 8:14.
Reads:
11:04
